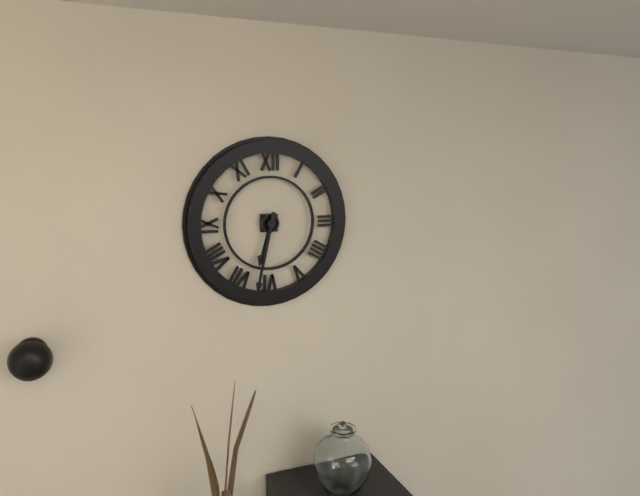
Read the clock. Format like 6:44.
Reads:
6:32
